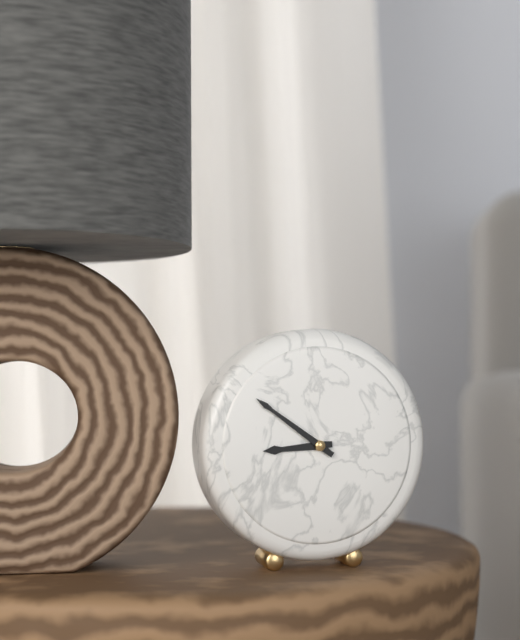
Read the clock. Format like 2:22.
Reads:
8:51
